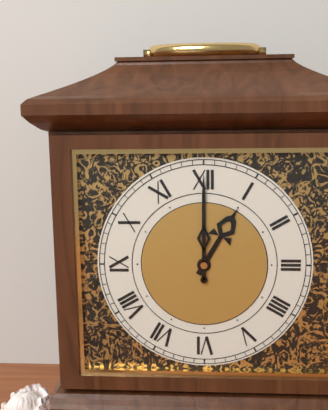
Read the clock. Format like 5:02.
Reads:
1:00
